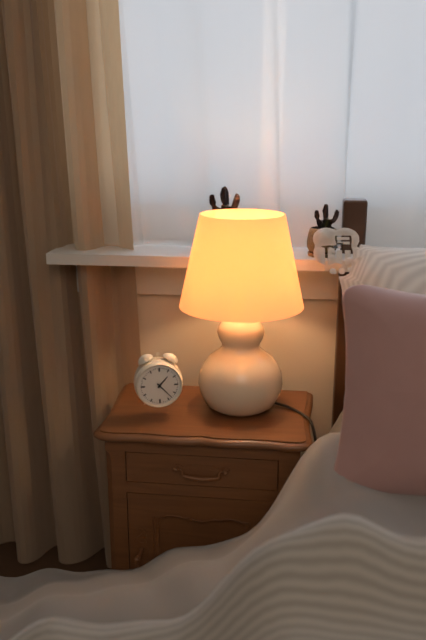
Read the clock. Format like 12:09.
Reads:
1:23
